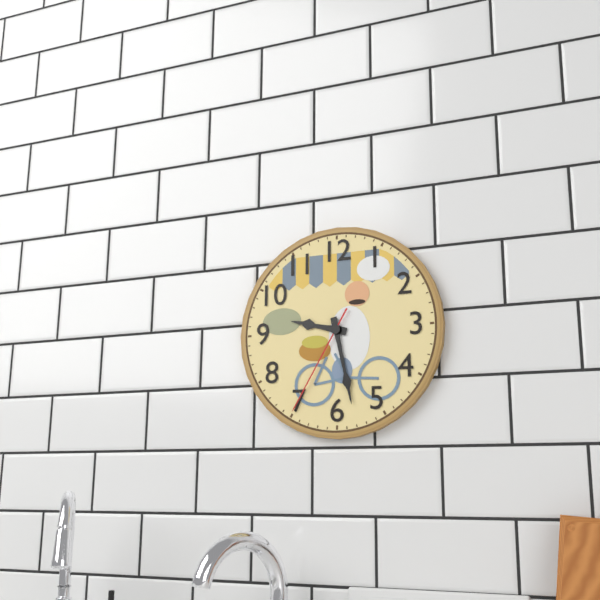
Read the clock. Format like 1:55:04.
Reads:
9:28:35
